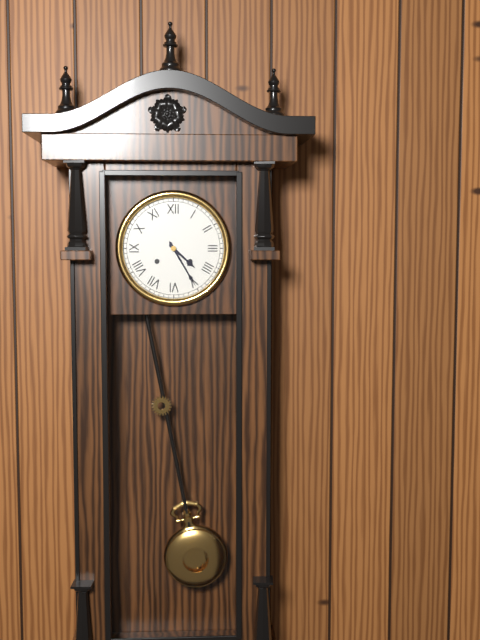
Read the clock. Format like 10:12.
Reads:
4:25
